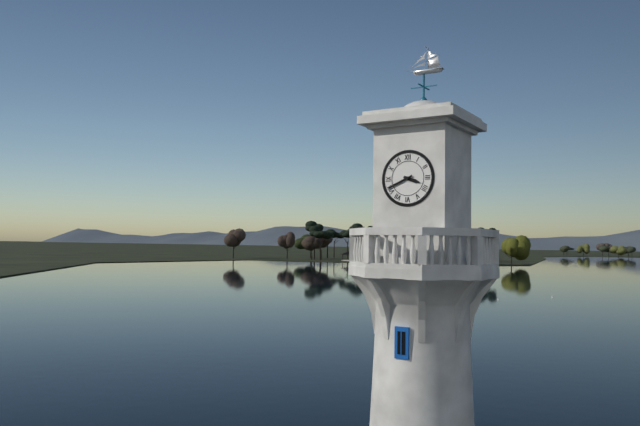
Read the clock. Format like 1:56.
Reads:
3:41
